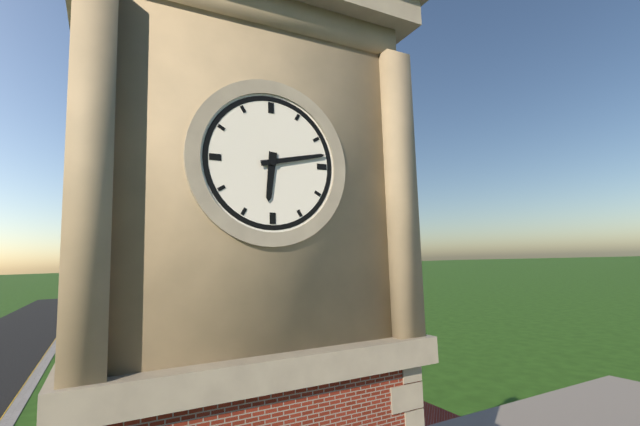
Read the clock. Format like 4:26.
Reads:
6:13
